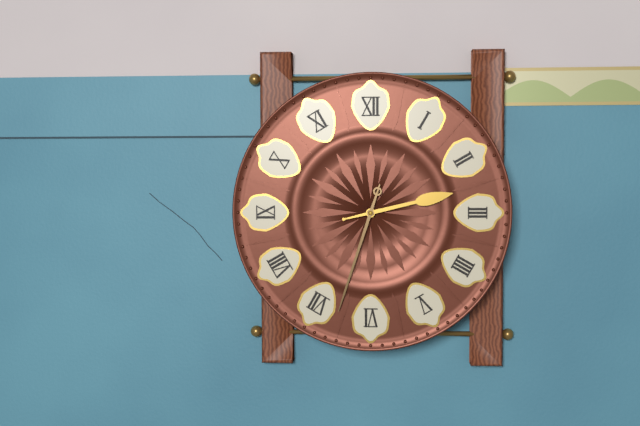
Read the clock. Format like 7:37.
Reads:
2:33
